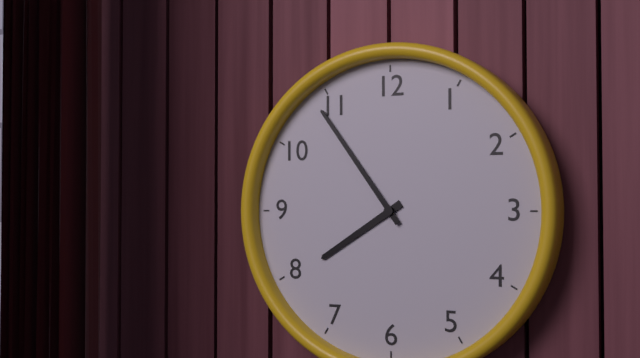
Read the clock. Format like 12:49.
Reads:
7:54
